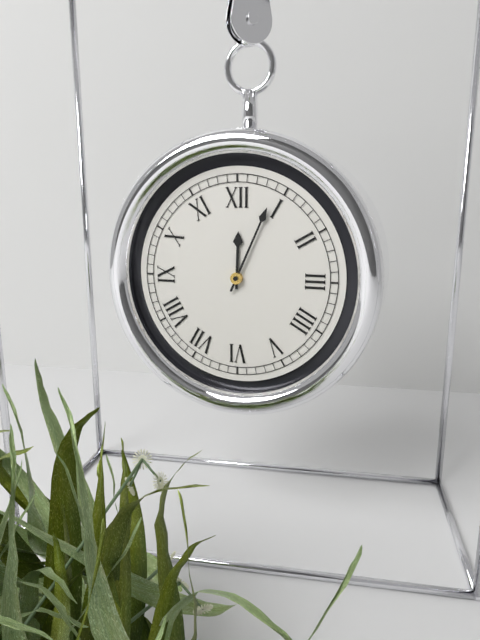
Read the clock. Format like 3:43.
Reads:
12:04
